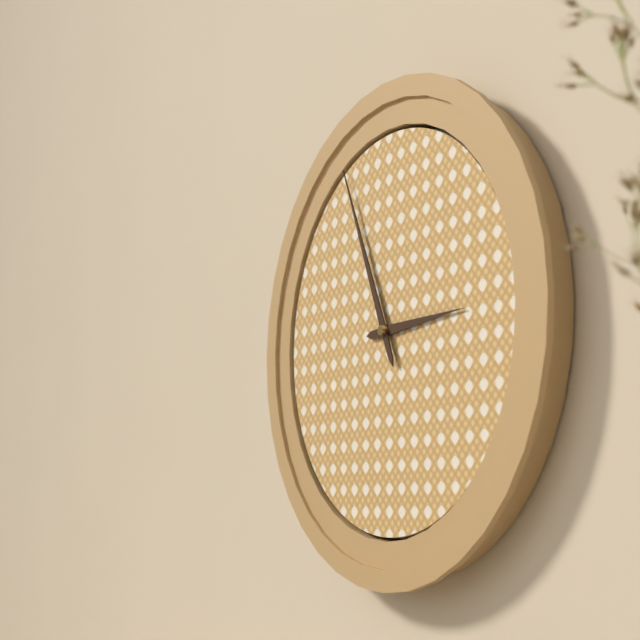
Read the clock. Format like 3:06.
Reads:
2:56
